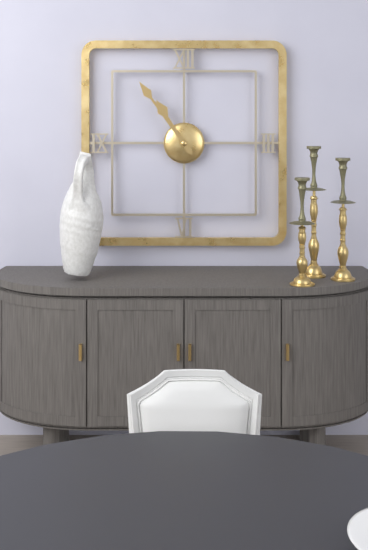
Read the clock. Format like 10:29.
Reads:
10:54
